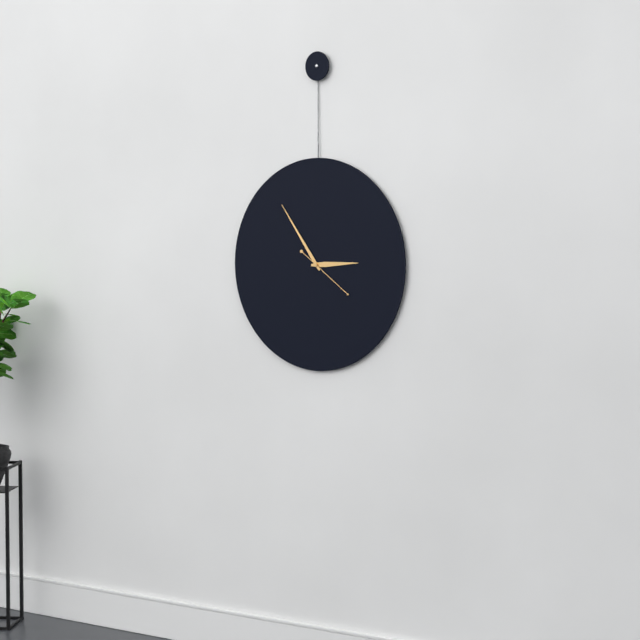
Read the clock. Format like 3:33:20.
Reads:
2:54:21
